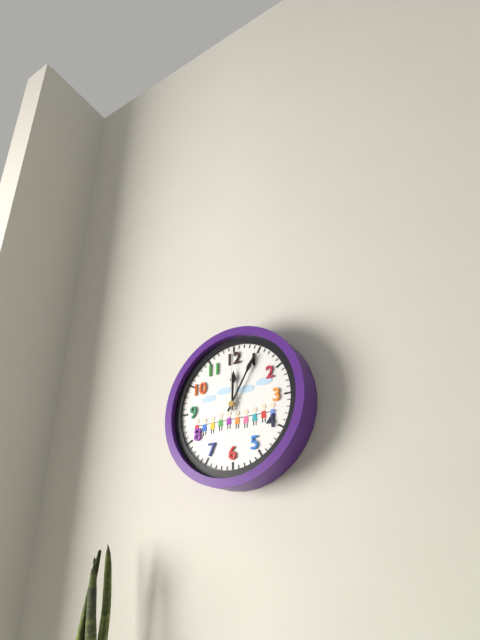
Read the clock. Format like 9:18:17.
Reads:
12:05:00
